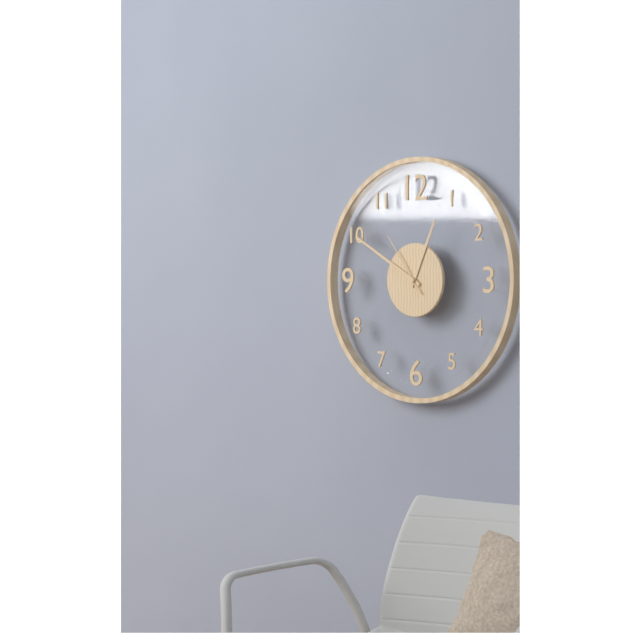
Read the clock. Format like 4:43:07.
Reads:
12:50:54
